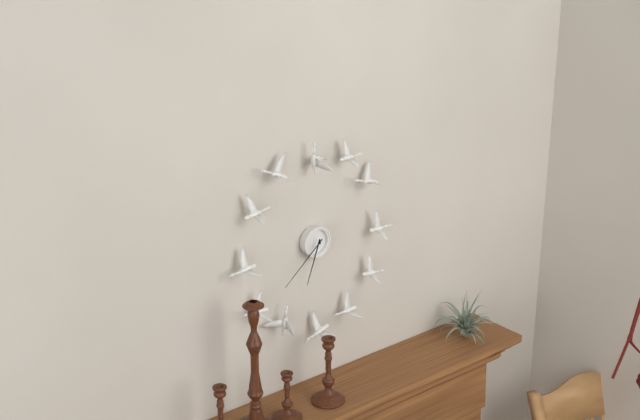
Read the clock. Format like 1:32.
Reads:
6:38
